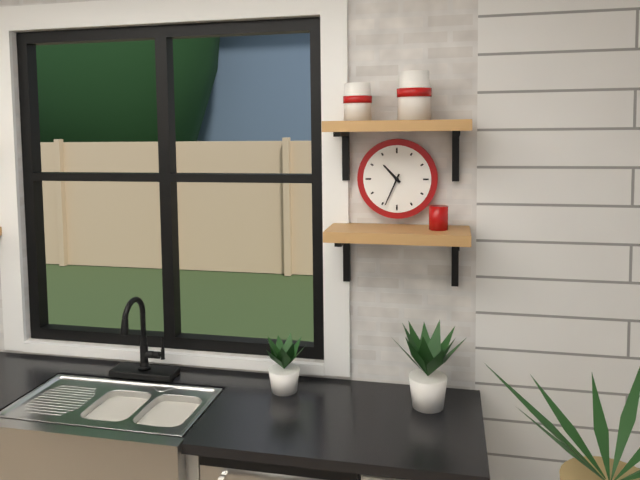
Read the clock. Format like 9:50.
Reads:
10:34
